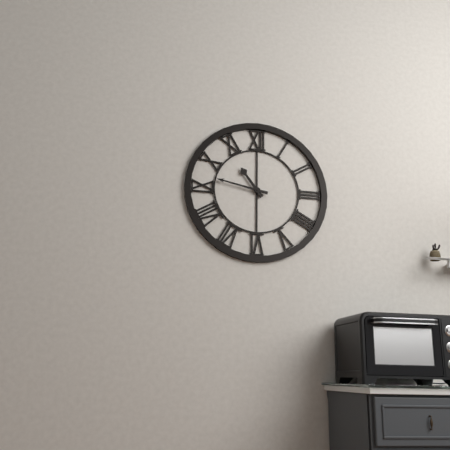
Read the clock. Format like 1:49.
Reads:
10:47
